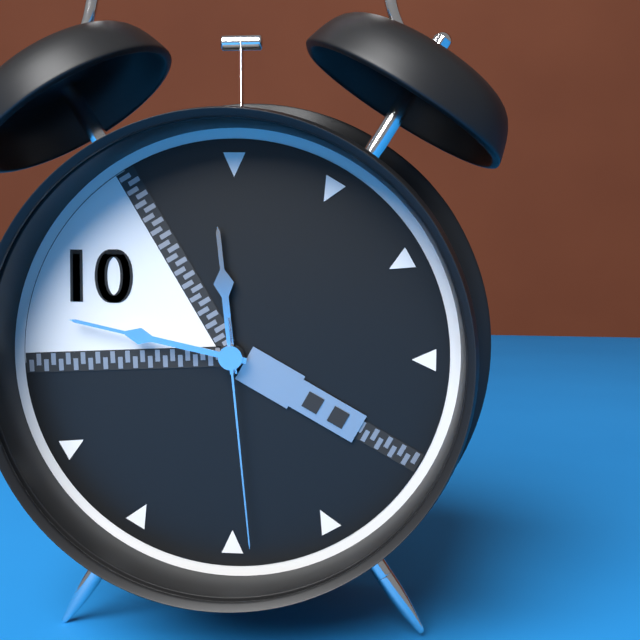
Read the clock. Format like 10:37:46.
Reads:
11:47:29
